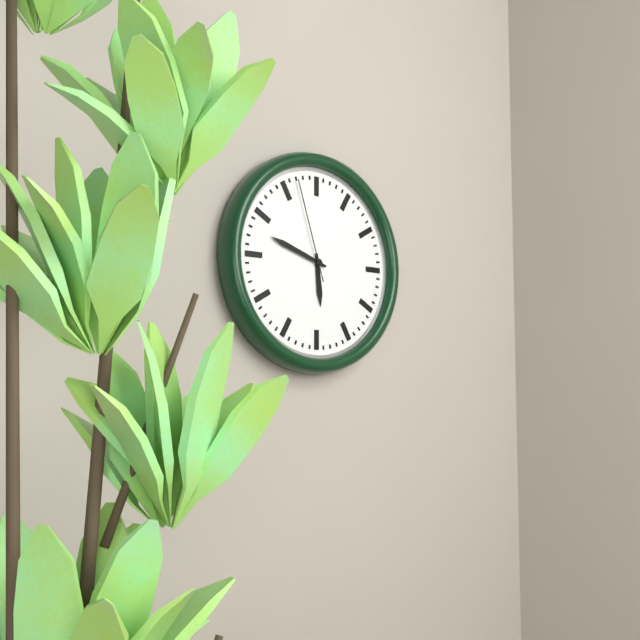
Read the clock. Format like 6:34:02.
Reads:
5:48:57
